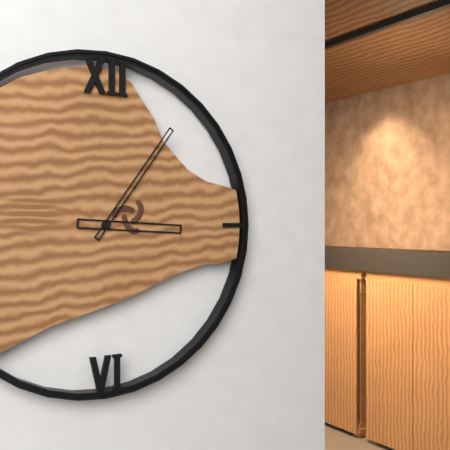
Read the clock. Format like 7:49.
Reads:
3:06
